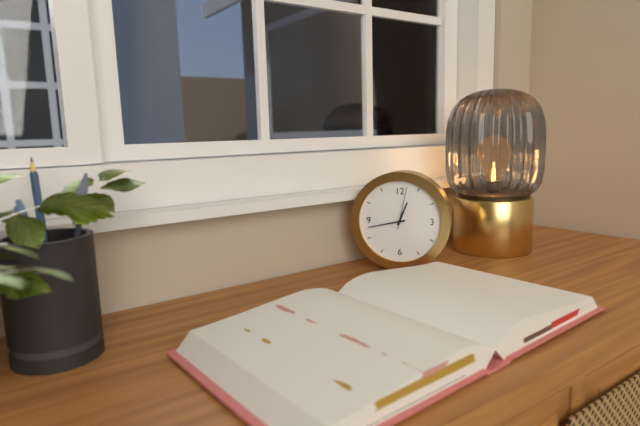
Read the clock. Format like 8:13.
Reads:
12:43
